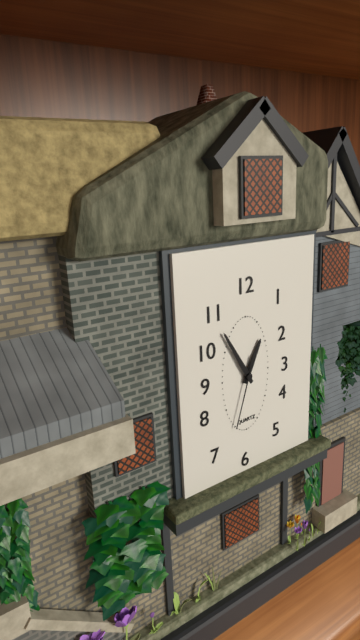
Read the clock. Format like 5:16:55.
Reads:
12:55:33
